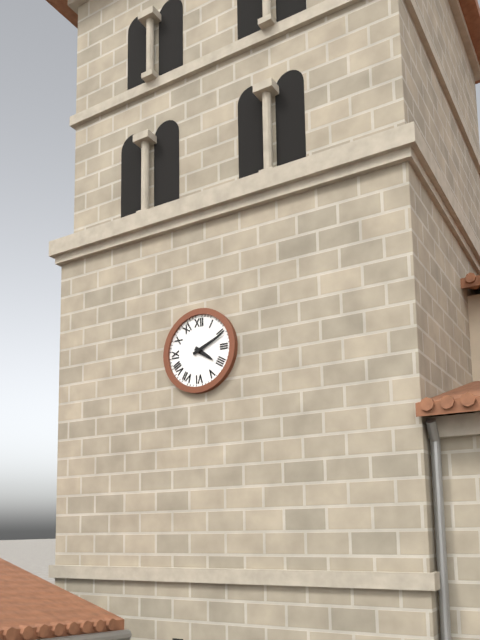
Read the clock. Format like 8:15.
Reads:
4:11
